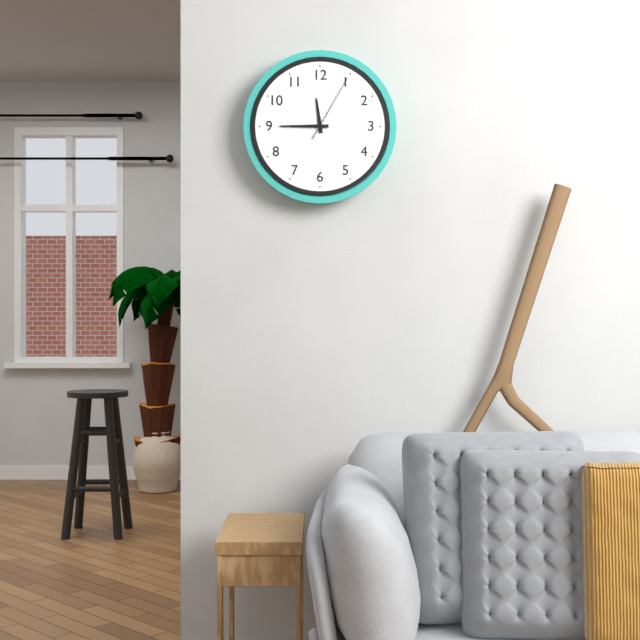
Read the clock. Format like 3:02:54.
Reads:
11:45:05
